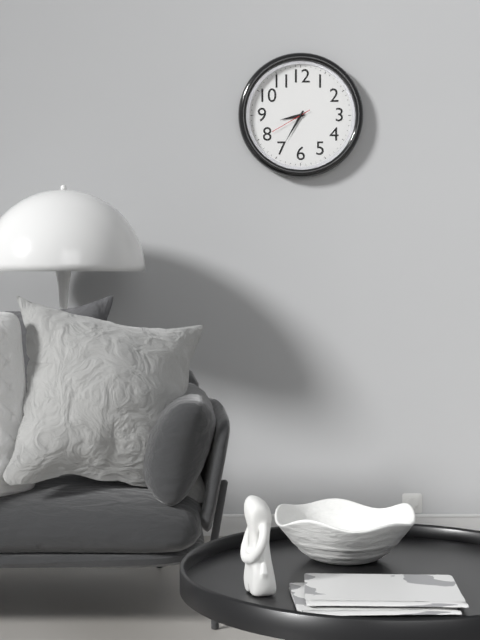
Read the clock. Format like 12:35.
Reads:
8:35
